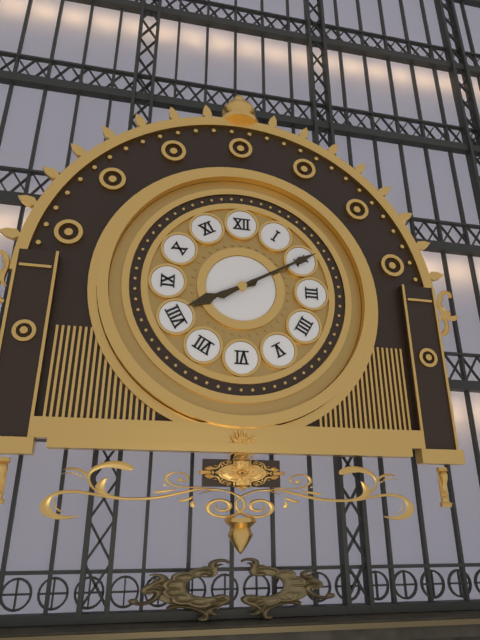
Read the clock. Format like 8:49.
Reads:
8:10
